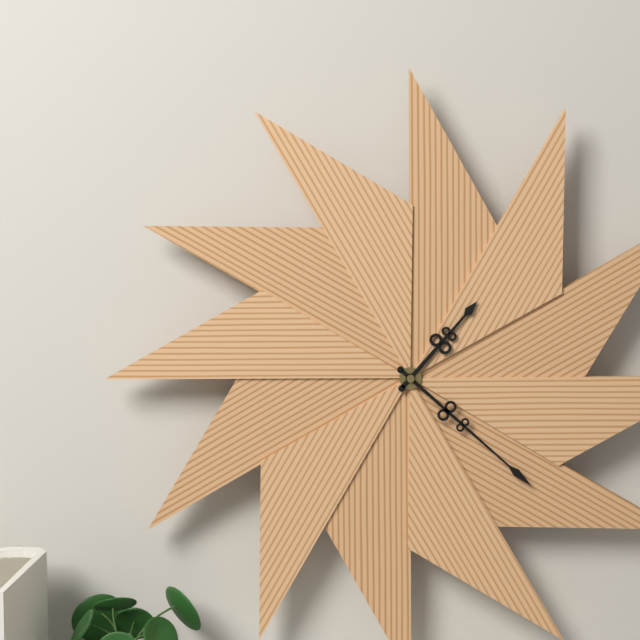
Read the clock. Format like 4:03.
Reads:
1:22
